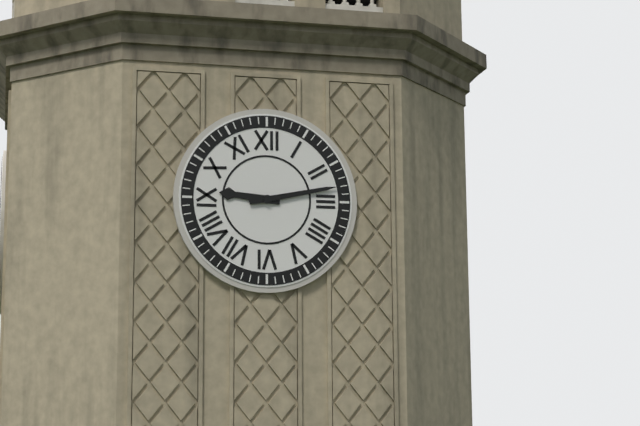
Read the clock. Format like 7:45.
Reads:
9:13
